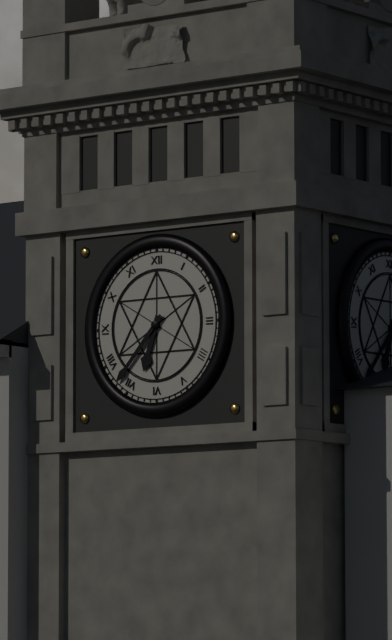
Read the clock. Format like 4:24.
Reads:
6:37
